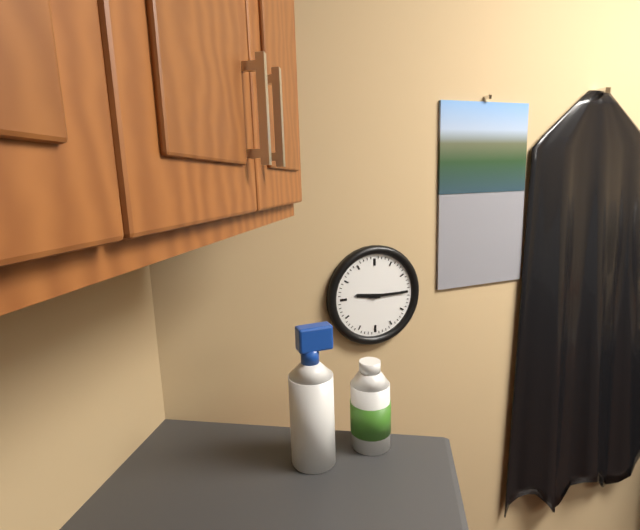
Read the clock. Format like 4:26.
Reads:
9:15
